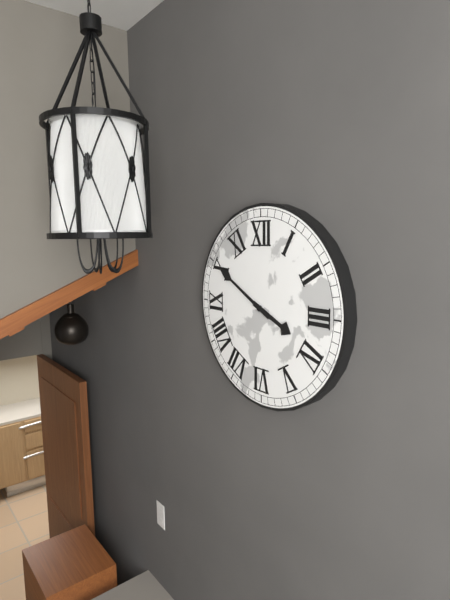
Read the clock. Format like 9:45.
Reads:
3:50
